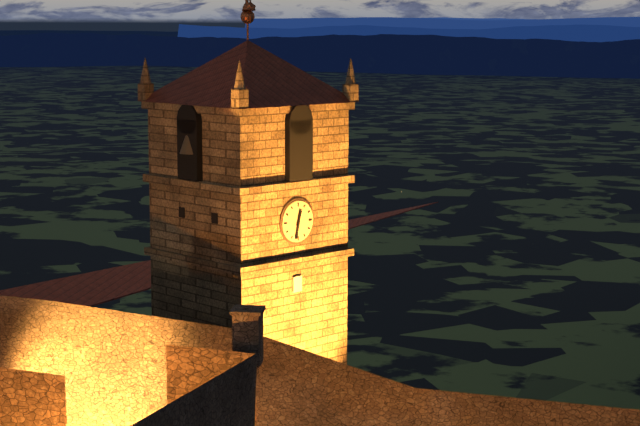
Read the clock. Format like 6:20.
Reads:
12:32
